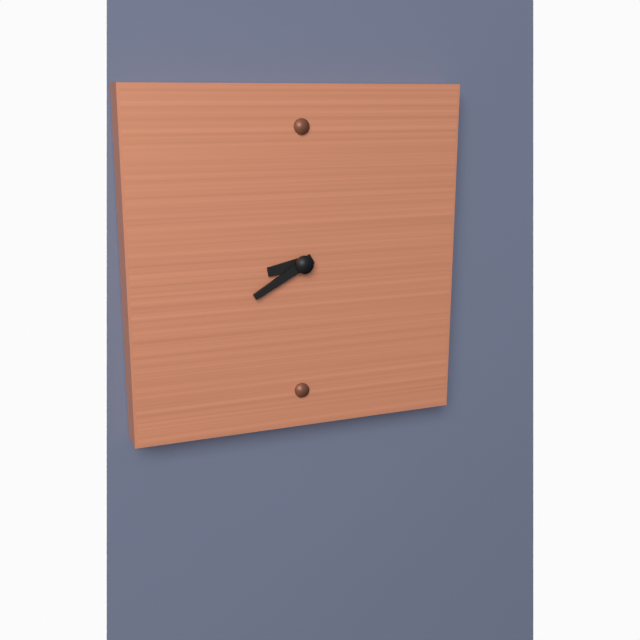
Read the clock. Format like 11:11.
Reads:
8:40
